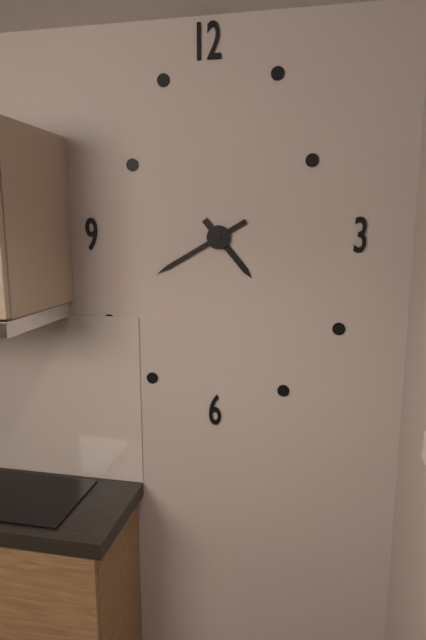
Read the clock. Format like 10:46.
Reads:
4:40
